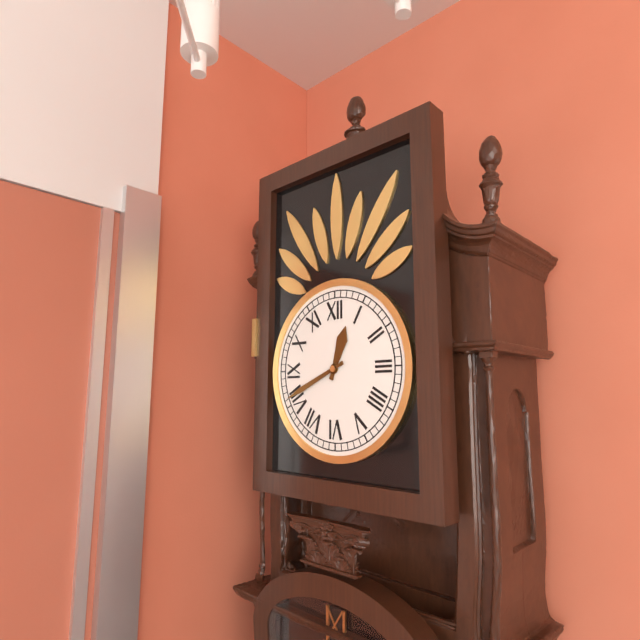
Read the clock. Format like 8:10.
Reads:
12:41
